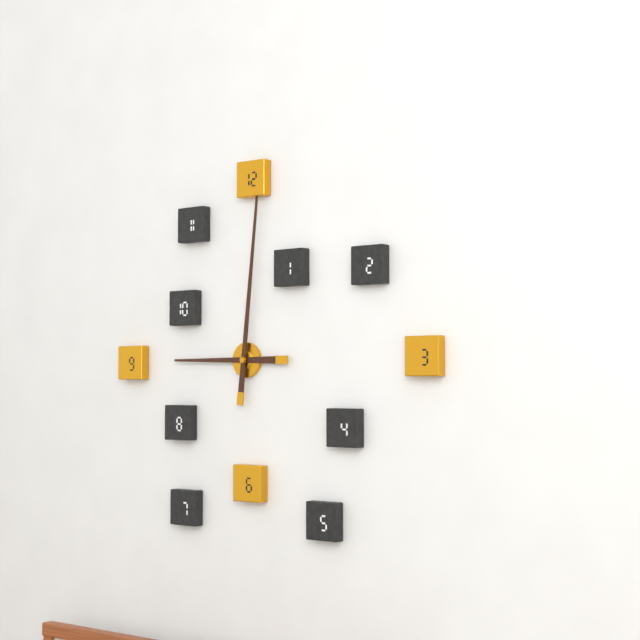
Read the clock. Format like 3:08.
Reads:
9:01
